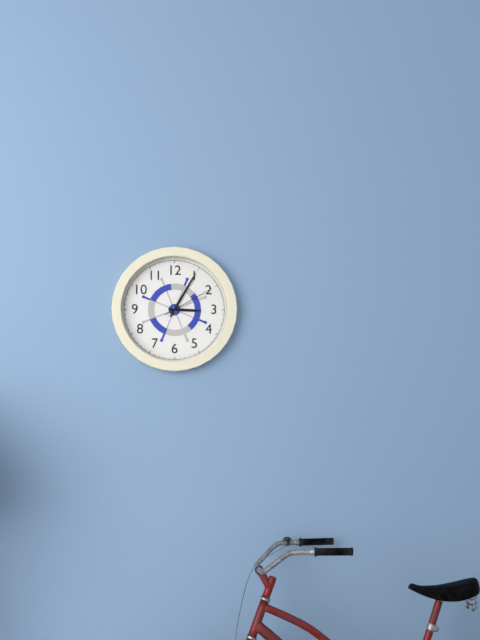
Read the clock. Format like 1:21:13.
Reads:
3:05:10
